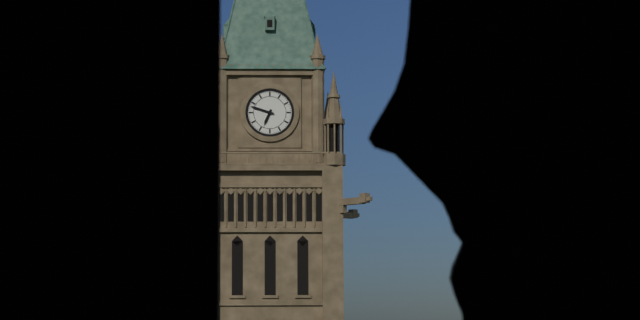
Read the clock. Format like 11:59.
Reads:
6:48
